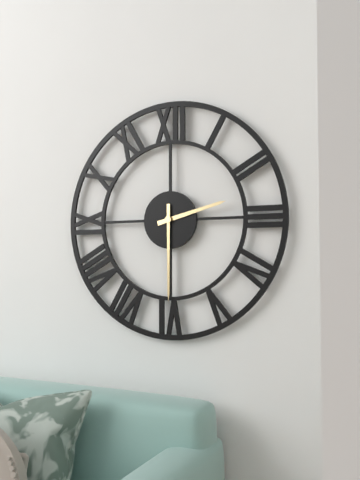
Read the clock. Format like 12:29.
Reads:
2:30
